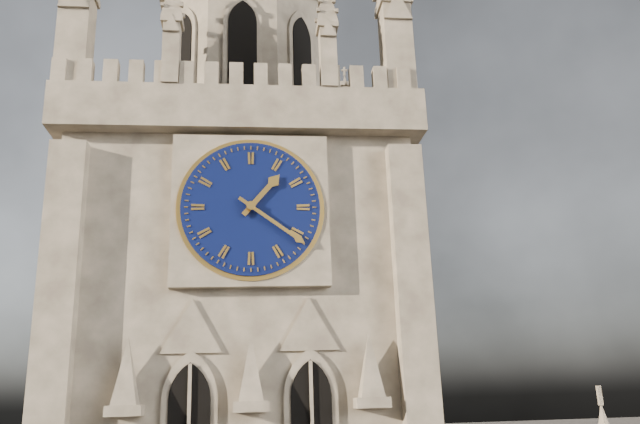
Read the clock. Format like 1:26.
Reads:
1:21
